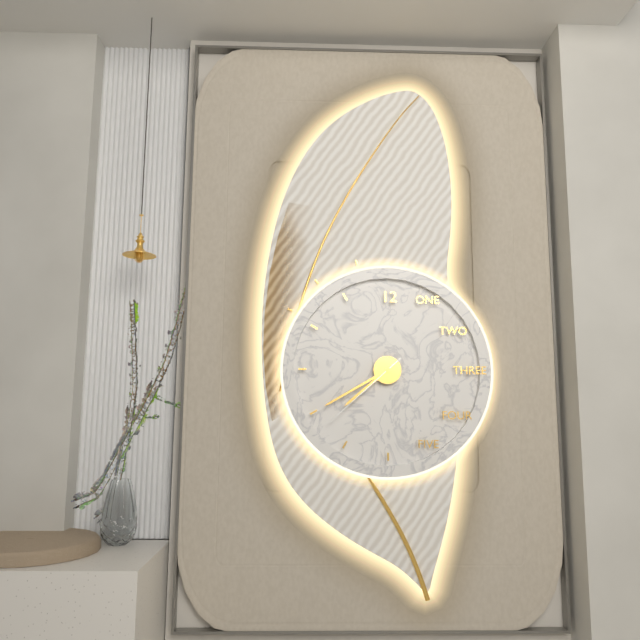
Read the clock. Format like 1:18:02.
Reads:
7:40:38
